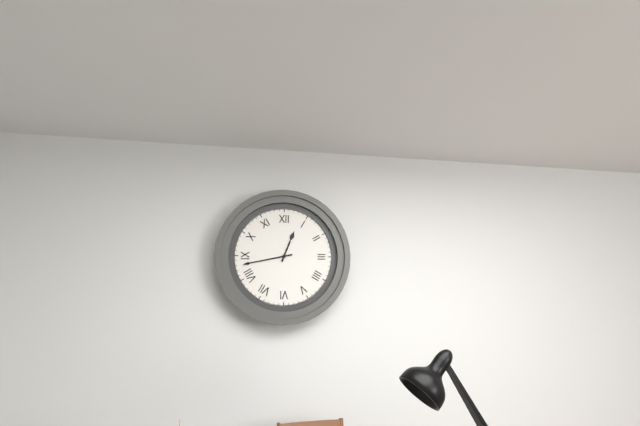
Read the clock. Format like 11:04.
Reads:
12:43
